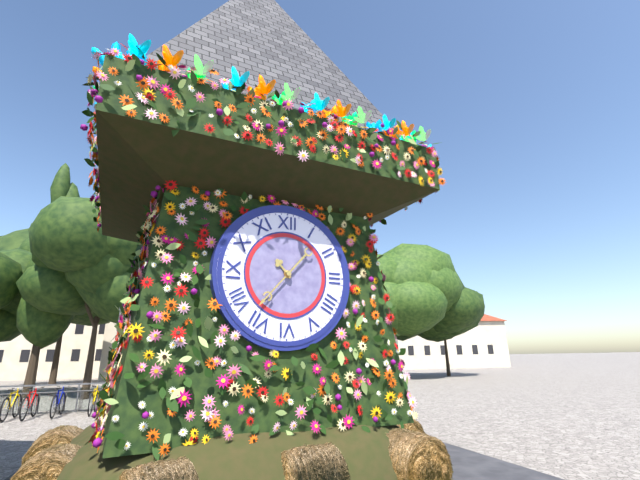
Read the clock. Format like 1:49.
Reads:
10:37
